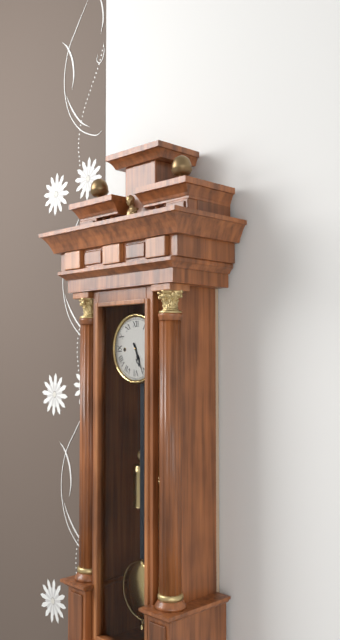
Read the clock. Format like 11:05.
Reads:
5:26
